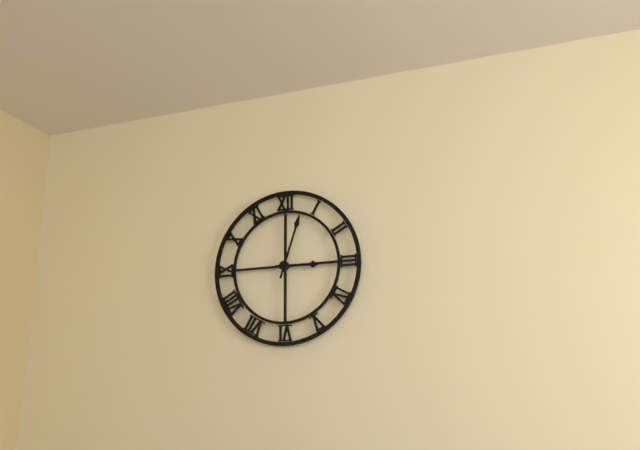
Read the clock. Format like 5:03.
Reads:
3:03
